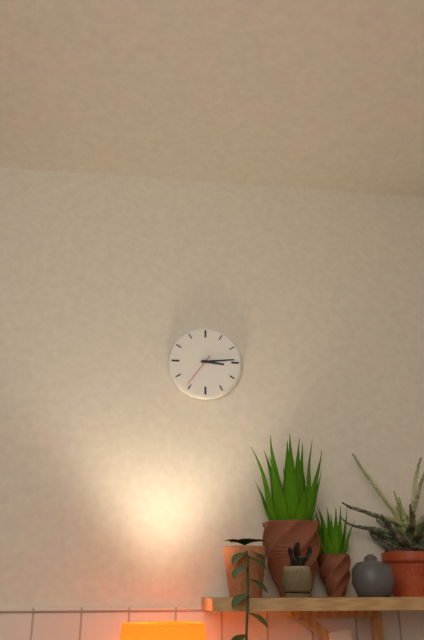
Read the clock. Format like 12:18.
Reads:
3:14
